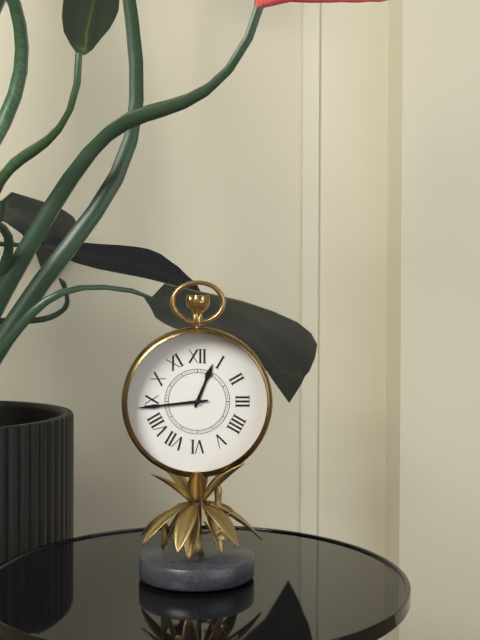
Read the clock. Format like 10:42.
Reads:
12:44
